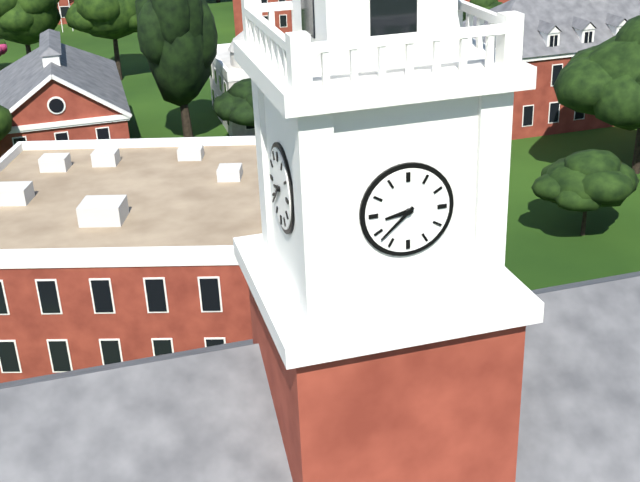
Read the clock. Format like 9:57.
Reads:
8:38
